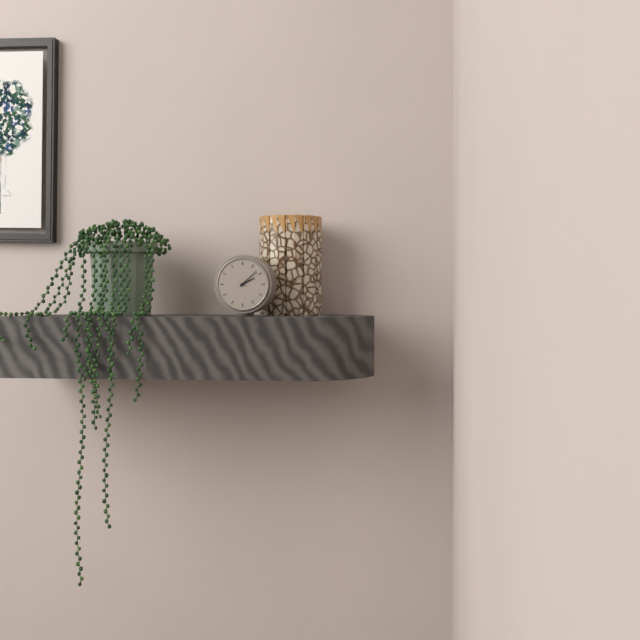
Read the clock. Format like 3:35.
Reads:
2:08
